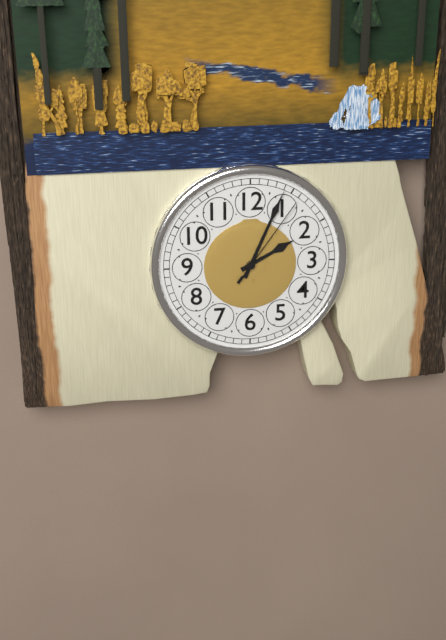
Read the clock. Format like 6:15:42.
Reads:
2:04:06
